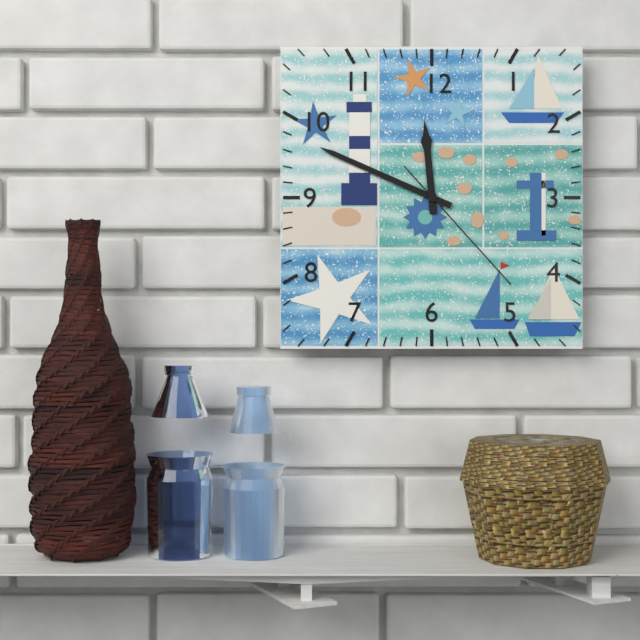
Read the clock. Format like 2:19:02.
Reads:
11:49:23
